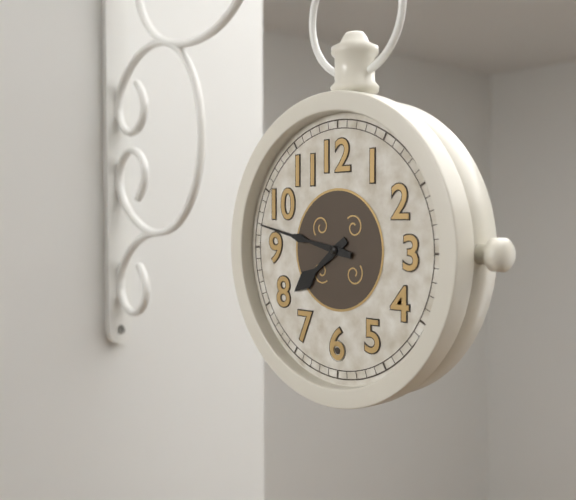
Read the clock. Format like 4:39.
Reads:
7:47
